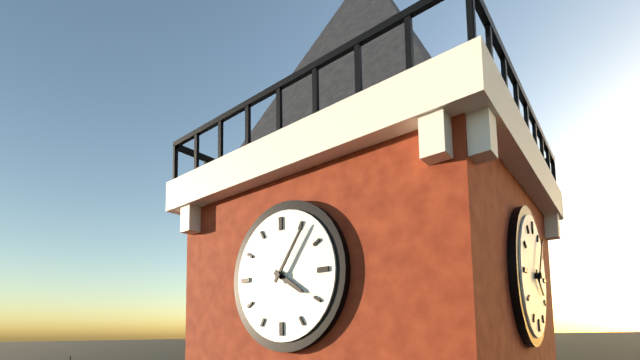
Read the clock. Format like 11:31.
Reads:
4:06
